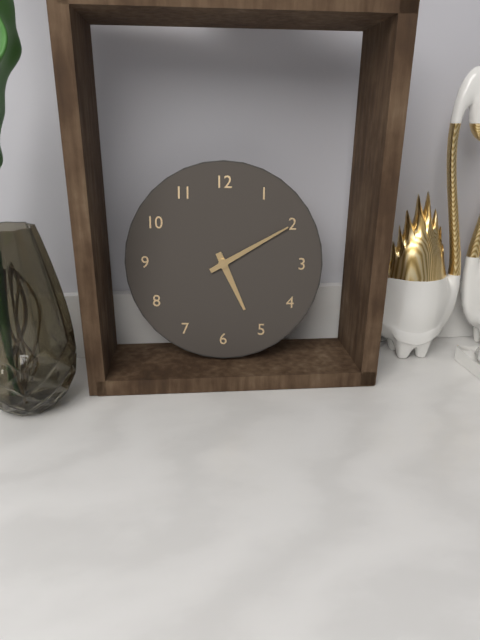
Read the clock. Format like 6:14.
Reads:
5:10
